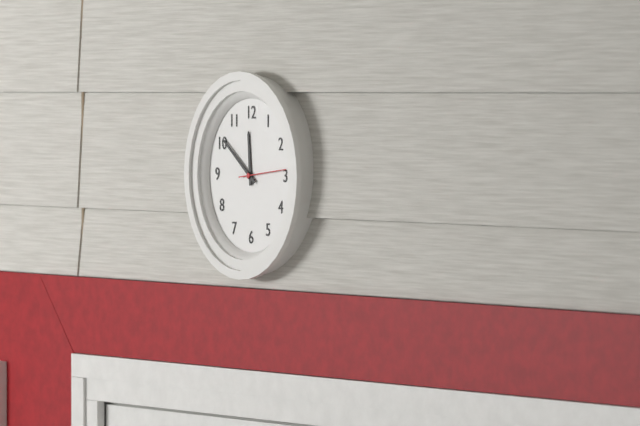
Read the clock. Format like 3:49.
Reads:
11:51
